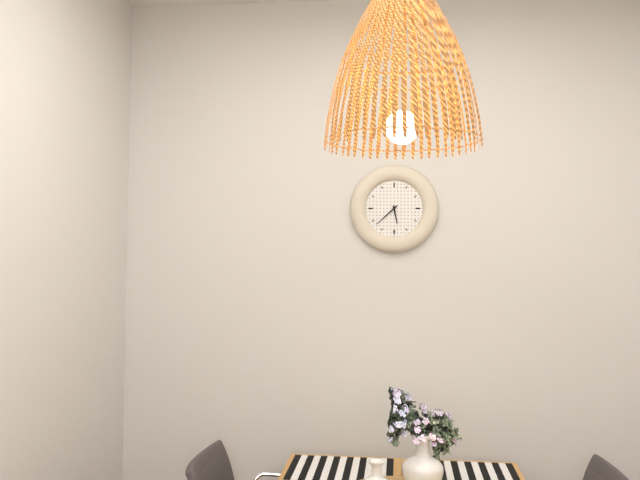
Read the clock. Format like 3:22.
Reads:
5:38
